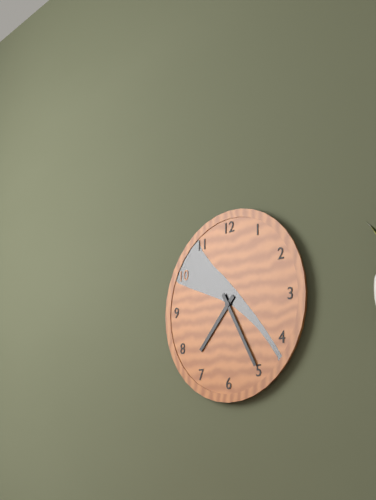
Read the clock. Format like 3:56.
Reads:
7:25
